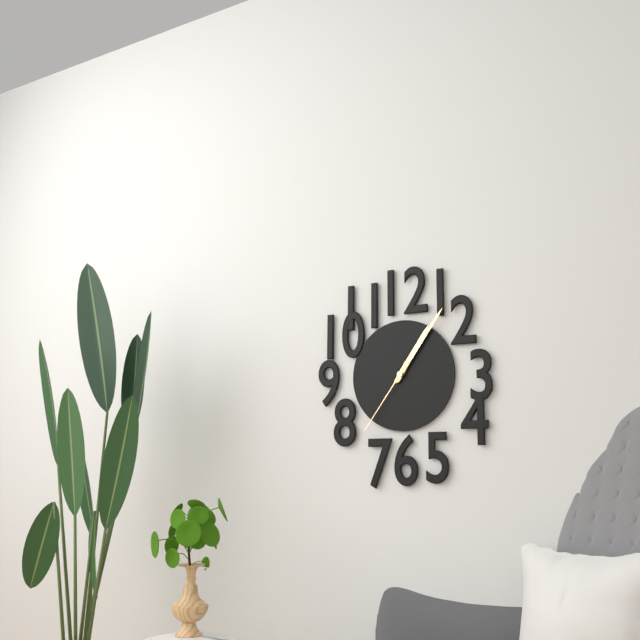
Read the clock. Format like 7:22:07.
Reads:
1:06:36
